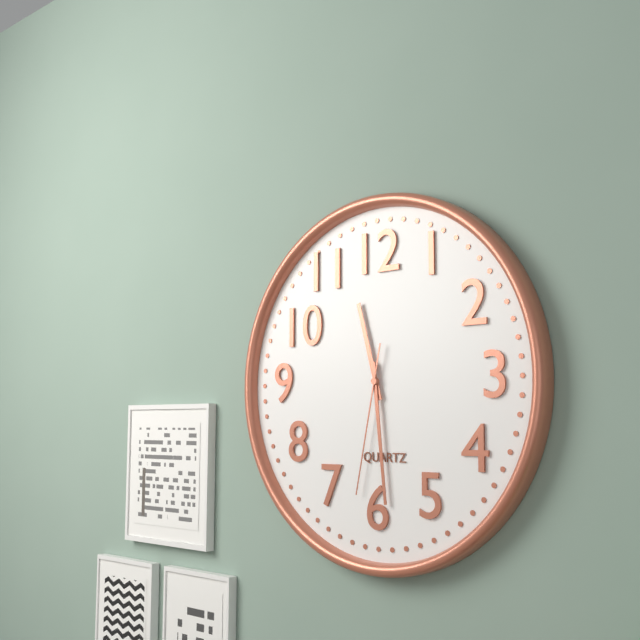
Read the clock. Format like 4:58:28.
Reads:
11:29:32
